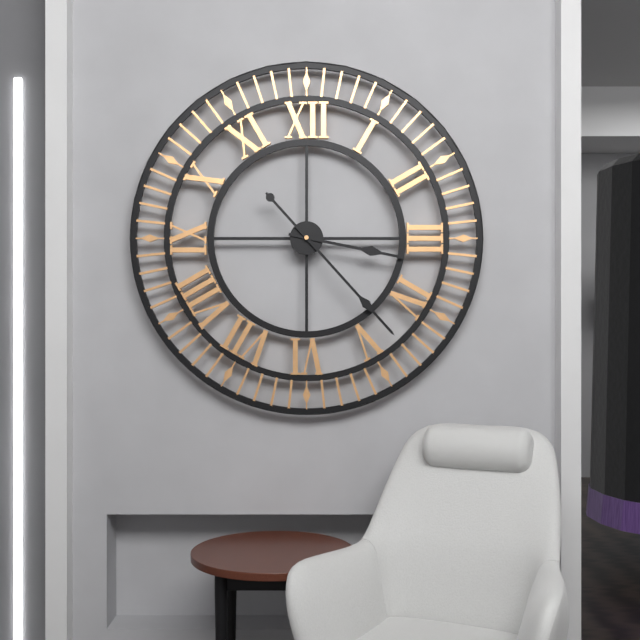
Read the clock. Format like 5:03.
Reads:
3:23
